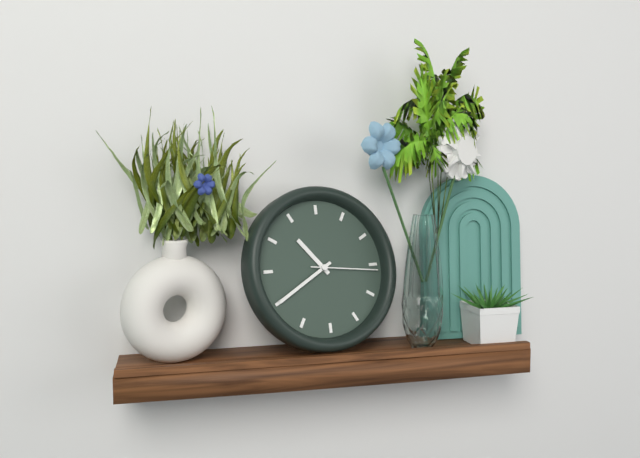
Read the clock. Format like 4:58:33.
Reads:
10:40:16
